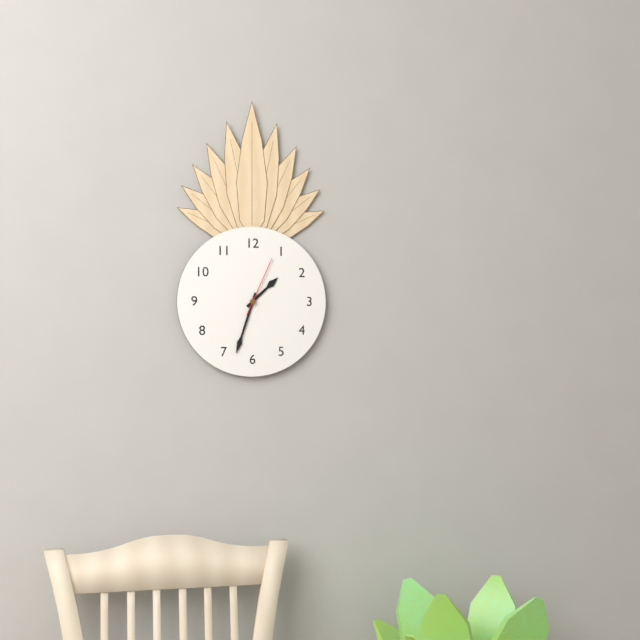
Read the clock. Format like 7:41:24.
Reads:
1:33:04
